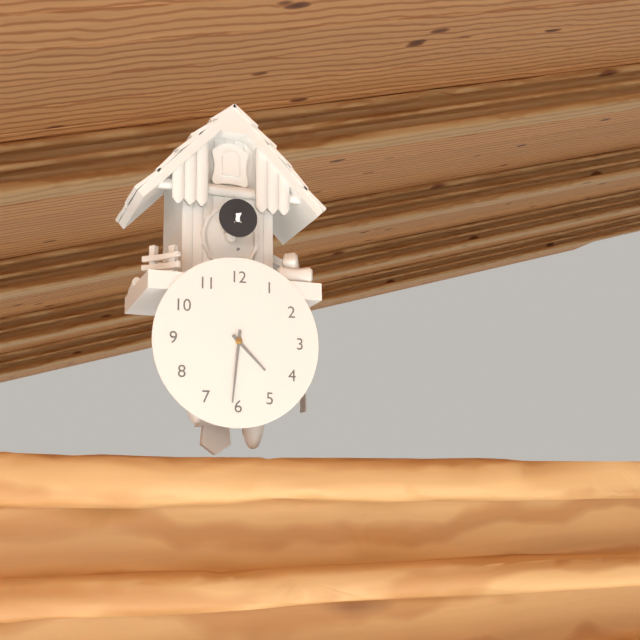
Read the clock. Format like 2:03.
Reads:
4:31
